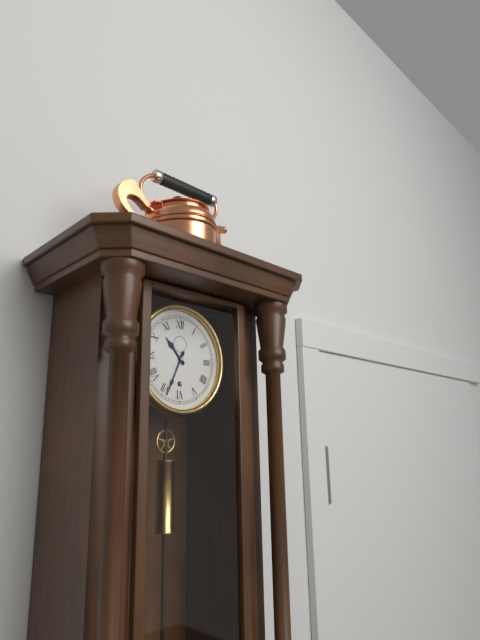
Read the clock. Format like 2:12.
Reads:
10:34
